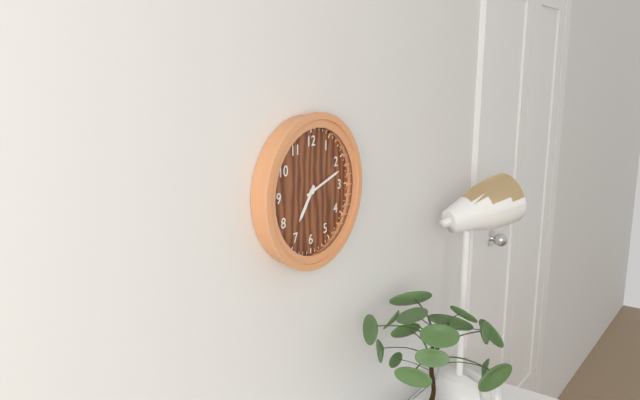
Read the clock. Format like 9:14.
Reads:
7:12
